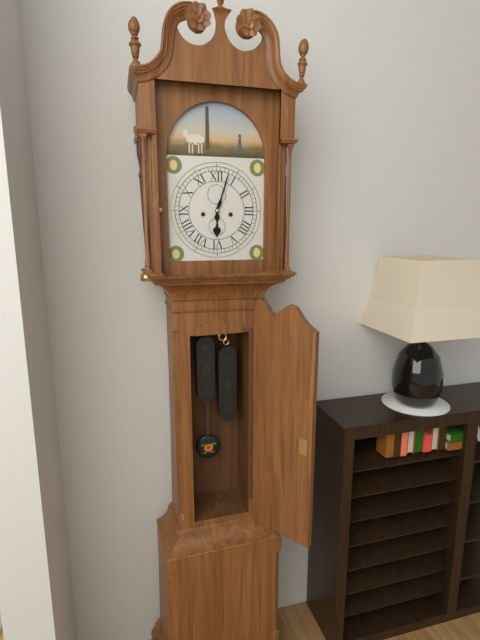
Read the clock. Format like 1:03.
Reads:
6:03
